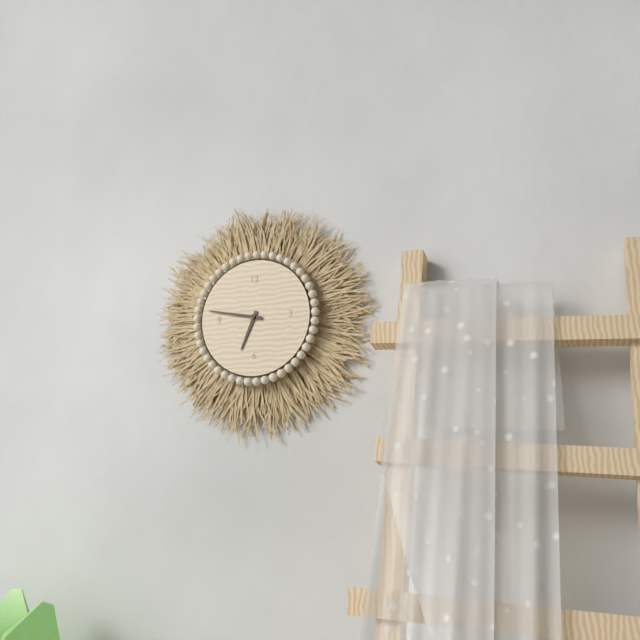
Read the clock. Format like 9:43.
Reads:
6:47
